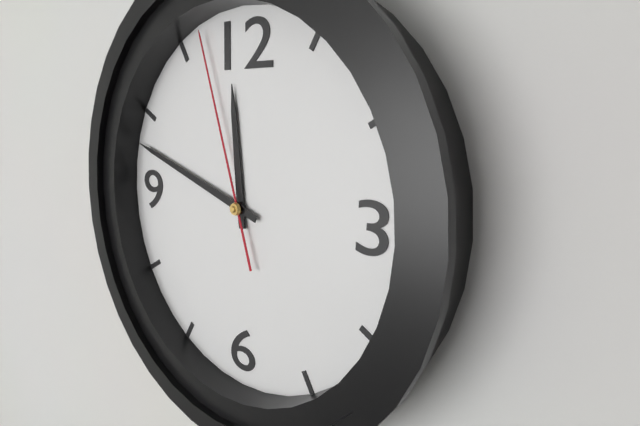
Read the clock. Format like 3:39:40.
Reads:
11:48:57
